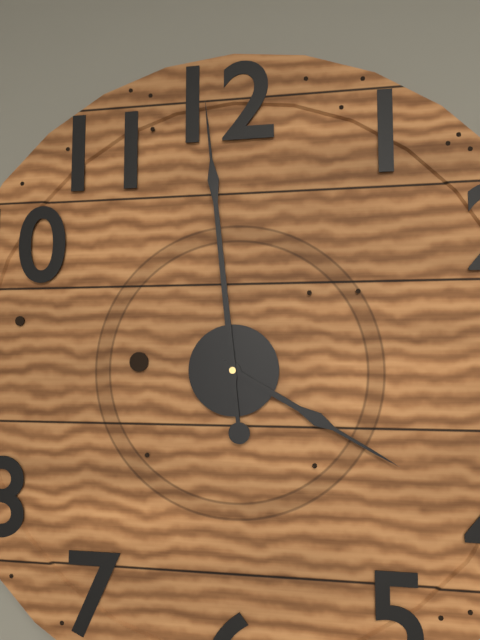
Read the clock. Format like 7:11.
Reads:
3:59
